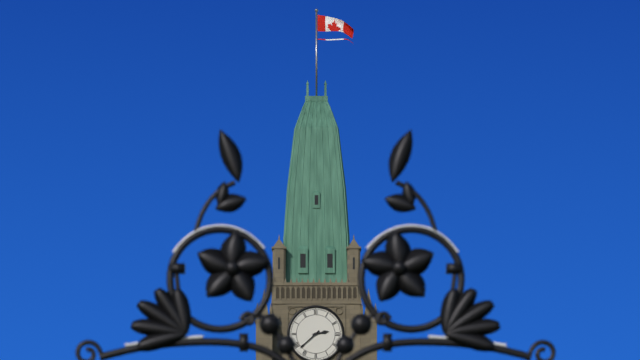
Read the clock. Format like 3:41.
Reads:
2:38
